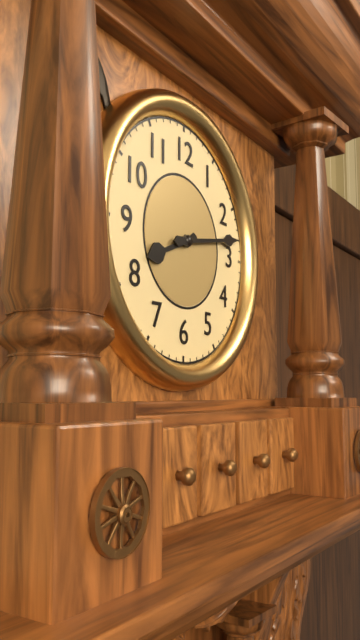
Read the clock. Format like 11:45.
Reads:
8:13
